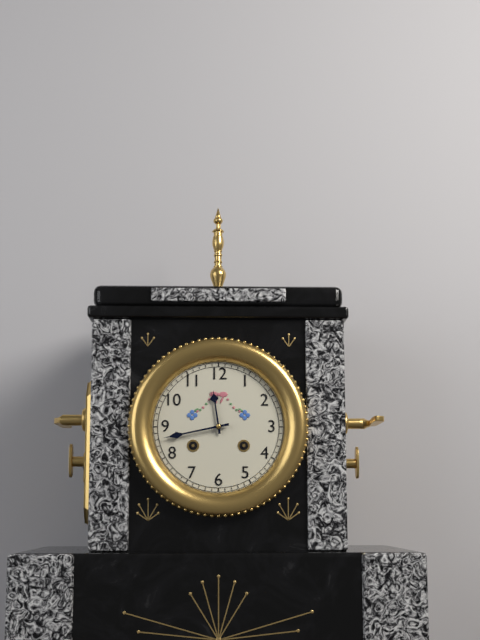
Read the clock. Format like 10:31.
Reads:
11:43
